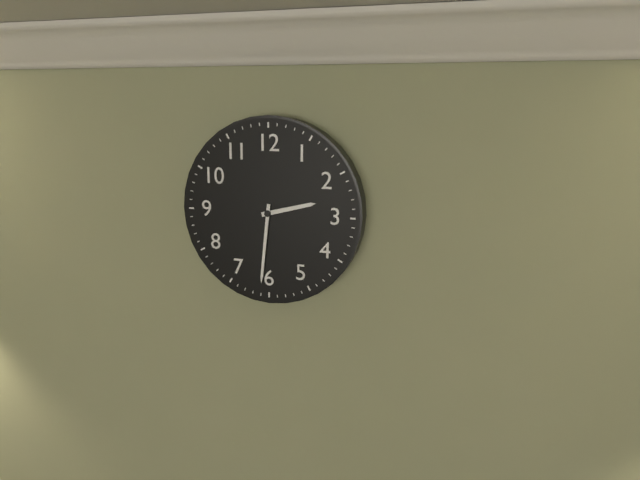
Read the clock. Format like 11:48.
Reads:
2:31
